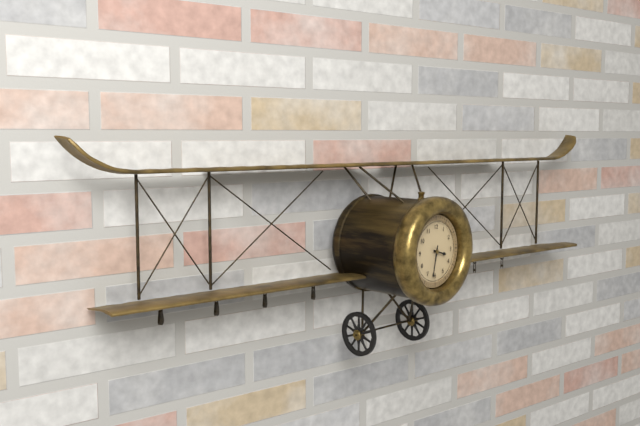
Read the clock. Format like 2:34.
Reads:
3:32
